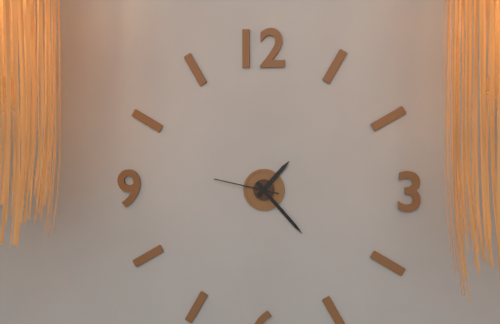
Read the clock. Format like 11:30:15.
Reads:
1:23:47
